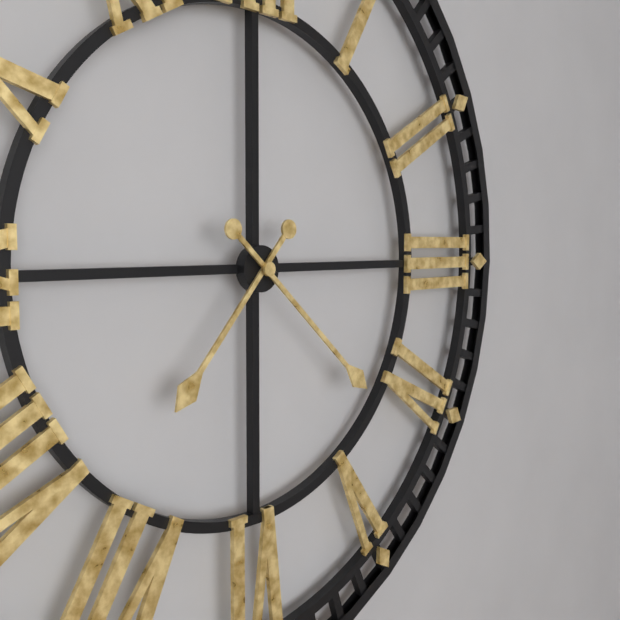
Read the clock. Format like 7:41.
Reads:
7:22
